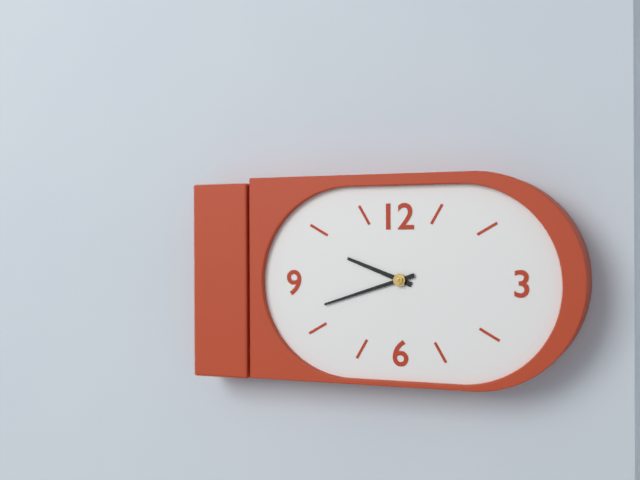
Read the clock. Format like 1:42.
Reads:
9:42
